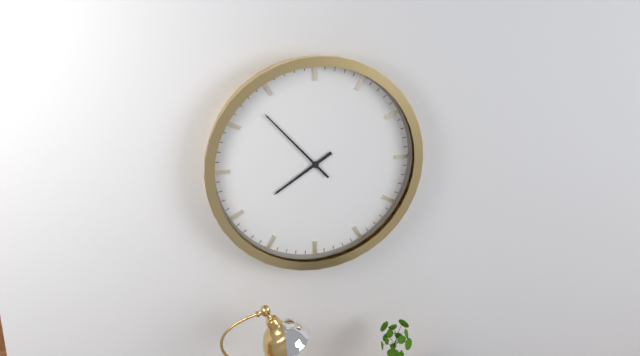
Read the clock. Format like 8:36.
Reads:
7:53
